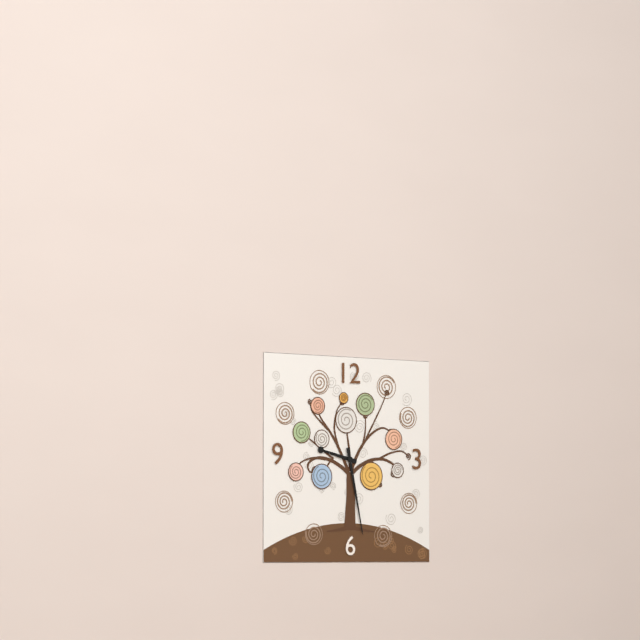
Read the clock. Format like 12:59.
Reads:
9:28
